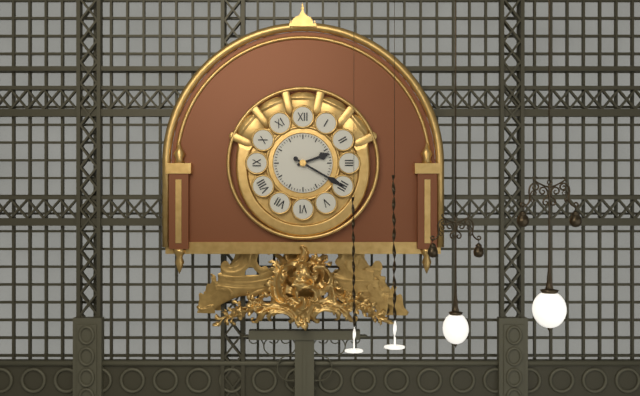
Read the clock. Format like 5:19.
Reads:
2:20
